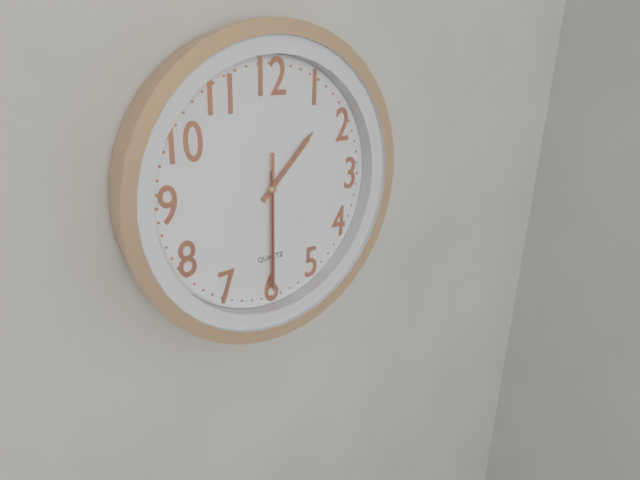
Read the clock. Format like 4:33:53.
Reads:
1:30:30
